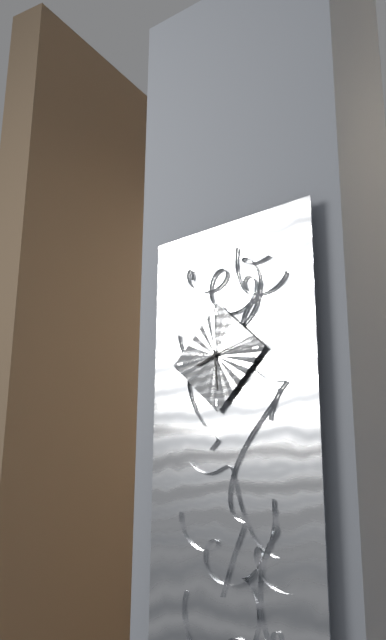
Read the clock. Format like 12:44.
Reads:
8:29
